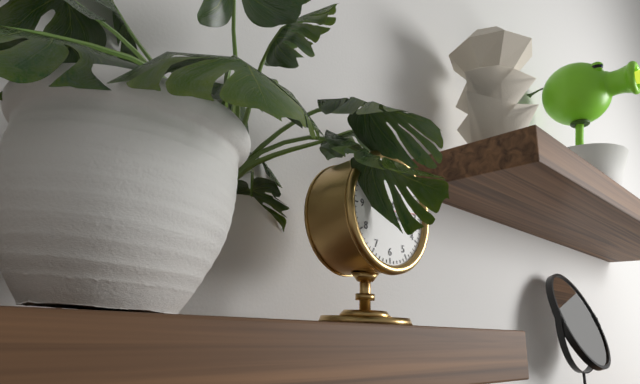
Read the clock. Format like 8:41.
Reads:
1:18
